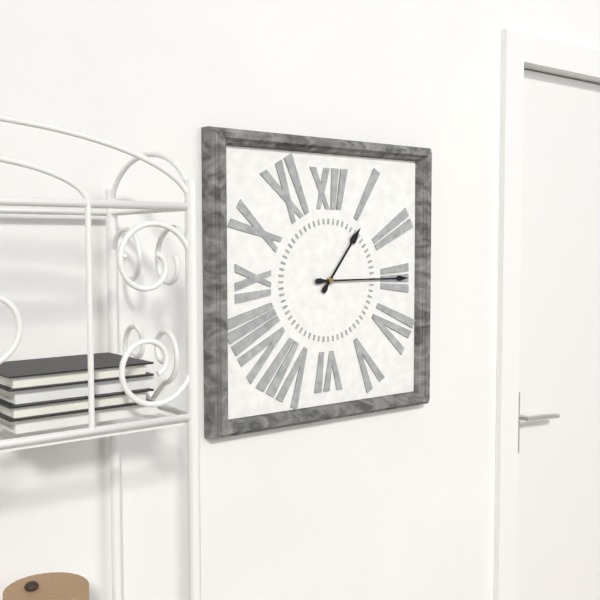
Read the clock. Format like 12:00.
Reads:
1:15
